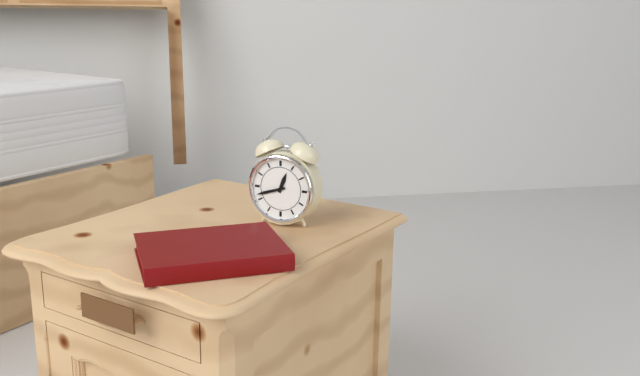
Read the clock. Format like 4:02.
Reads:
12:42
